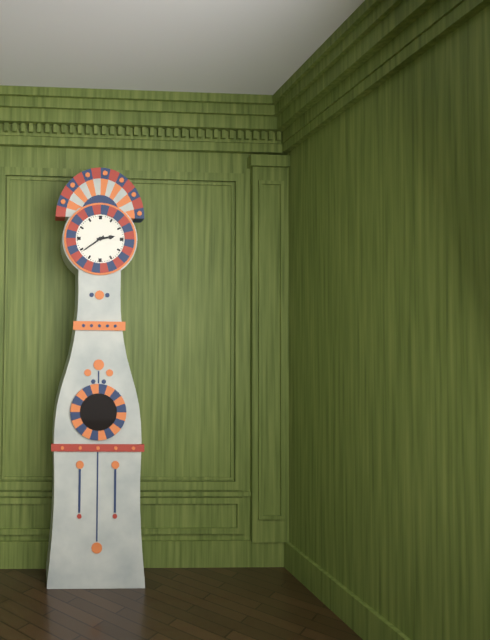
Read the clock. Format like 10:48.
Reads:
2:39
